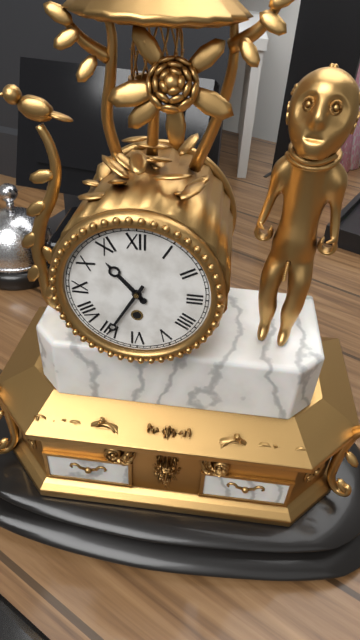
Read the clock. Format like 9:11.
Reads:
10:35
